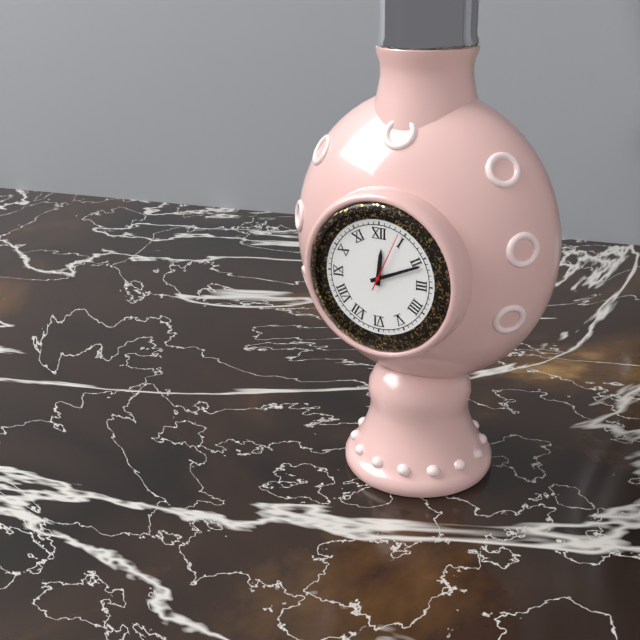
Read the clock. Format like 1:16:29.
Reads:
12:11:04
